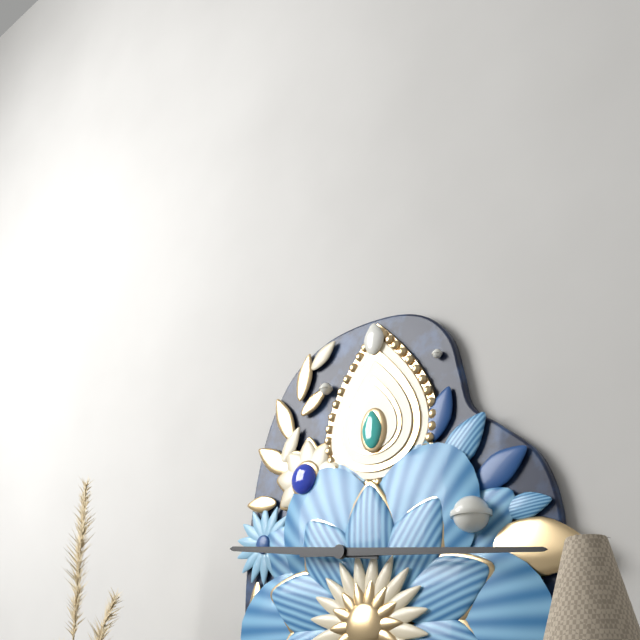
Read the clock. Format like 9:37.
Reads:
9:16
